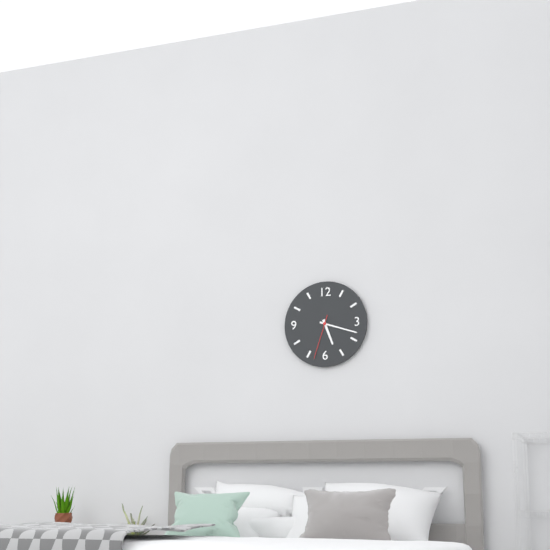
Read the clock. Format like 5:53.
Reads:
5:18
